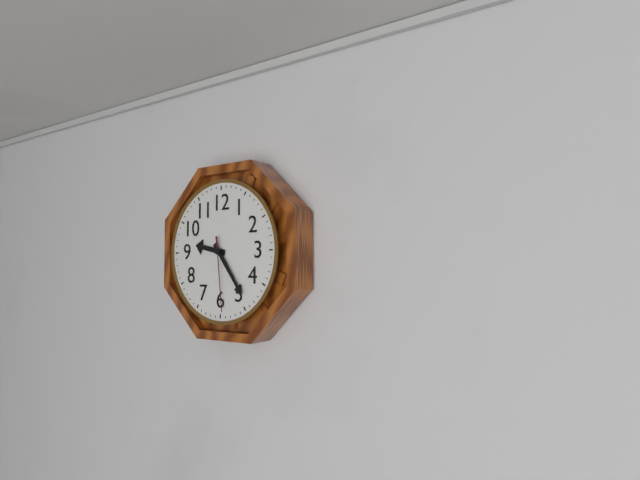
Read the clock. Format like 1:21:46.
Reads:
9:24:29
